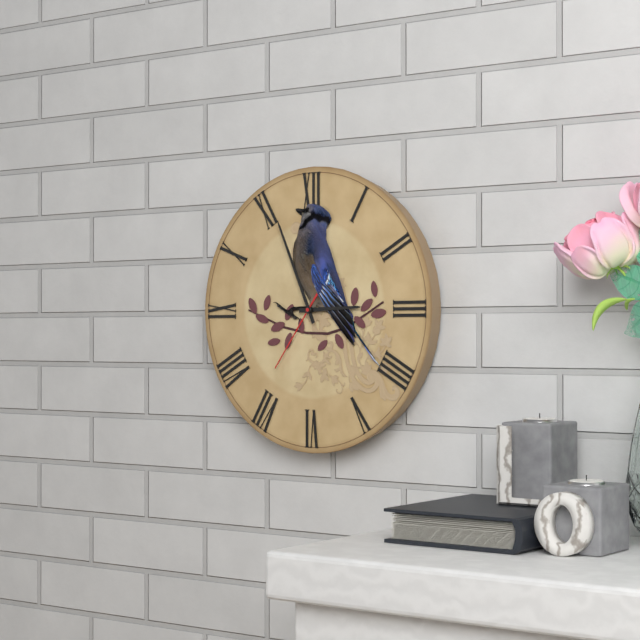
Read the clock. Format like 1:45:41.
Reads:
2:56:36
